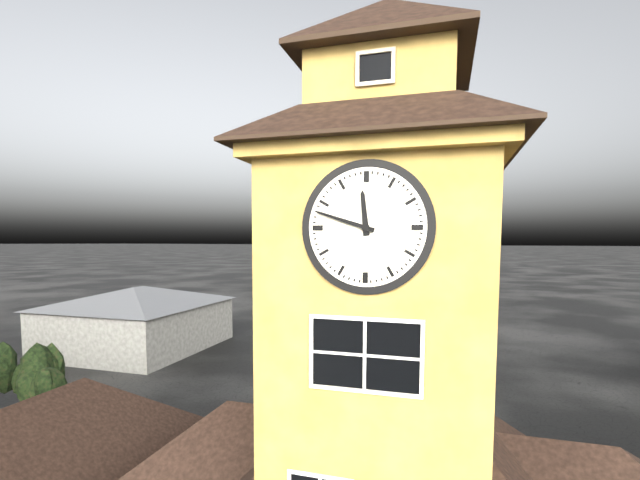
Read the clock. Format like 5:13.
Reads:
11:48
